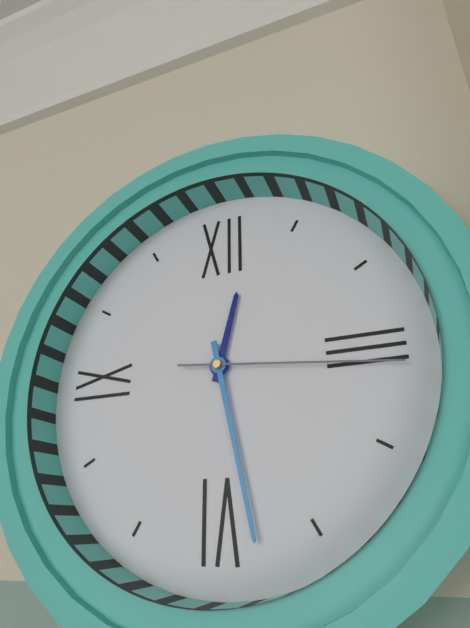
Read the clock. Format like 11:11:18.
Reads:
12:28:16
